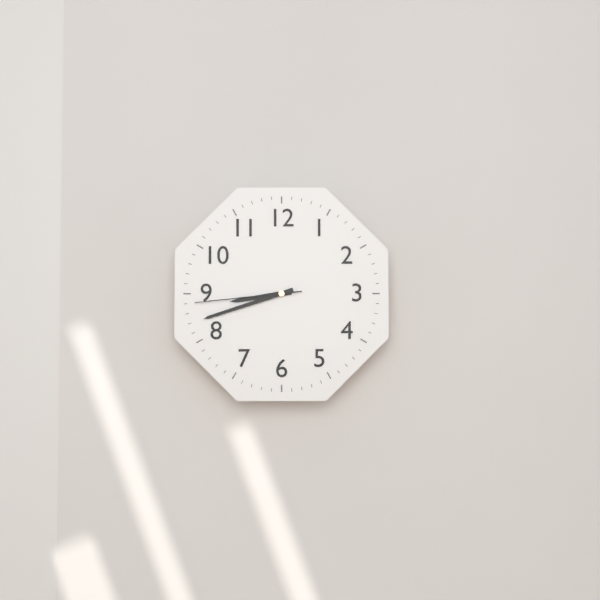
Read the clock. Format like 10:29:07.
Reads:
8:42:44
